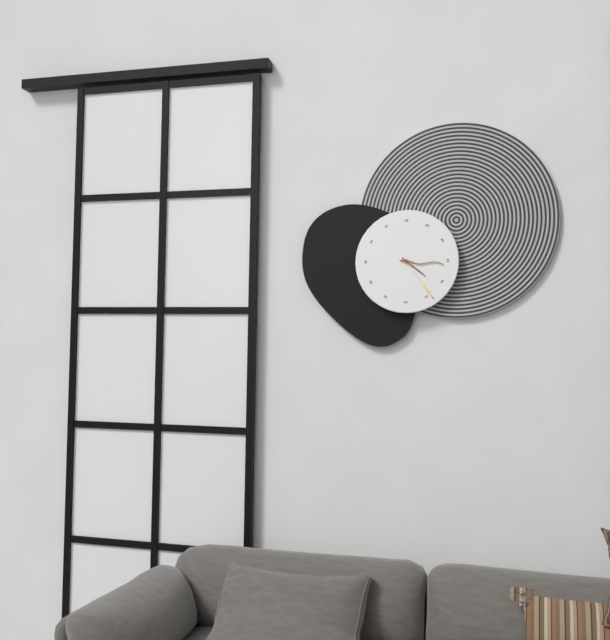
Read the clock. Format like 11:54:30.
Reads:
4:16:24
